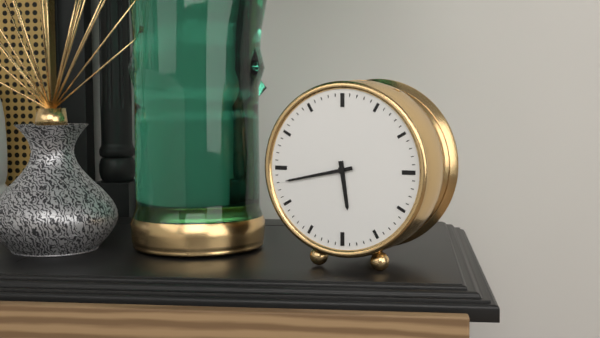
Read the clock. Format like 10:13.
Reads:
5:43
